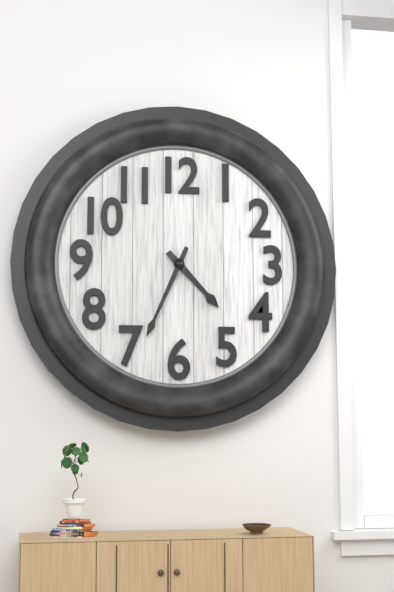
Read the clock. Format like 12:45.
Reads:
4:34
